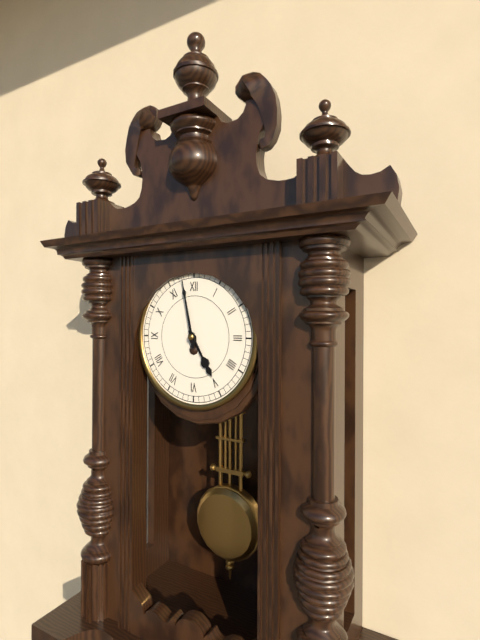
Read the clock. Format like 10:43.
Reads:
4:58
